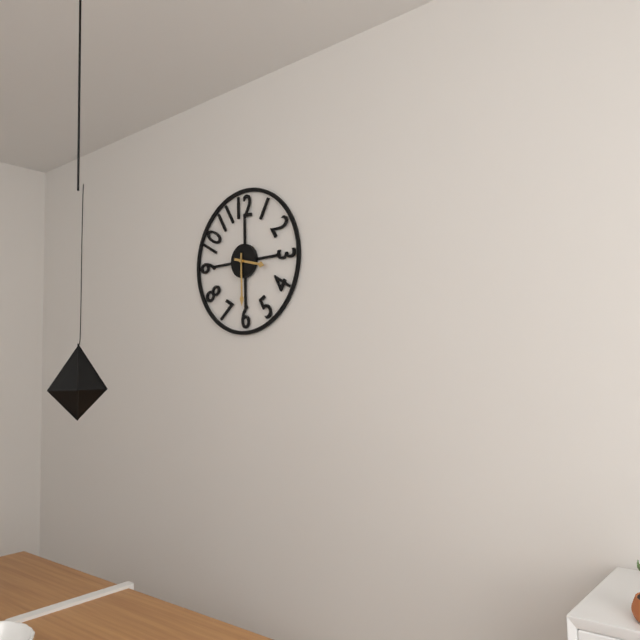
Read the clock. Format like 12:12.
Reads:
3:30
